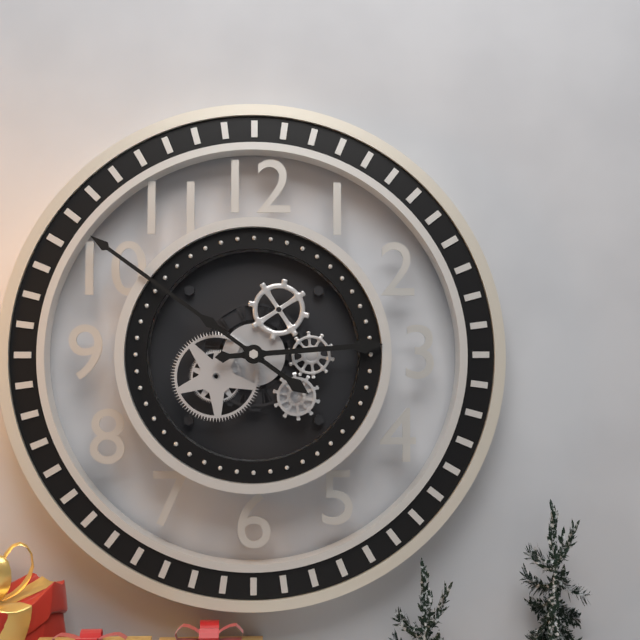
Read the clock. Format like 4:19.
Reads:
2:51
